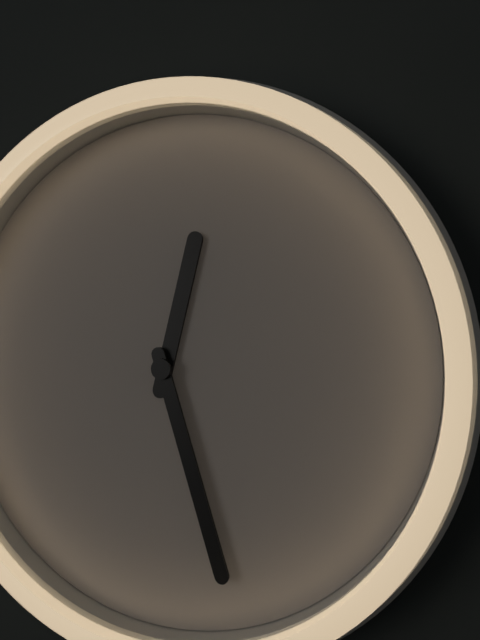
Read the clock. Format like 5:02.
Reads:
12:27
